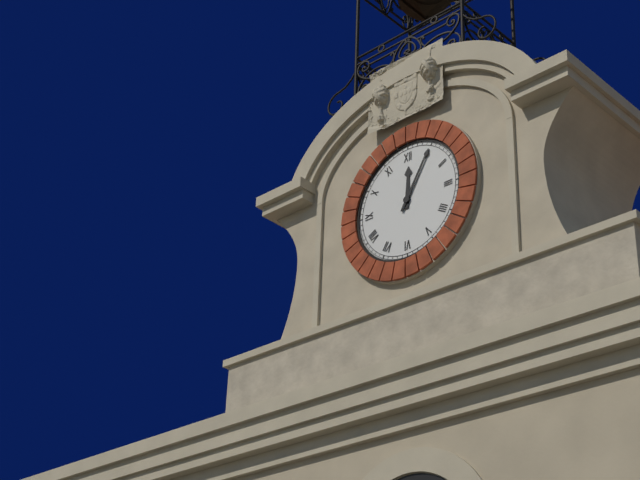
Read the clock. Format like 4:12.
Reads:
12:05
